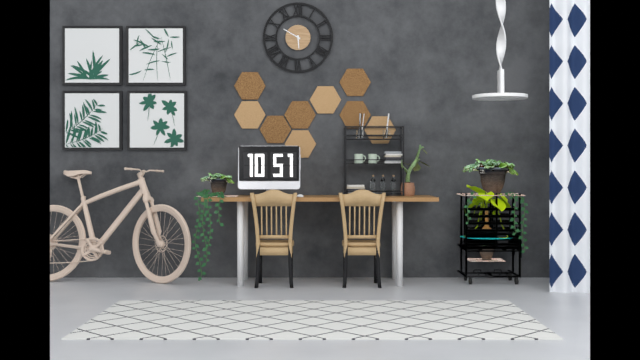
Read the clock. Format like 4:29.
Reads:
5:50
